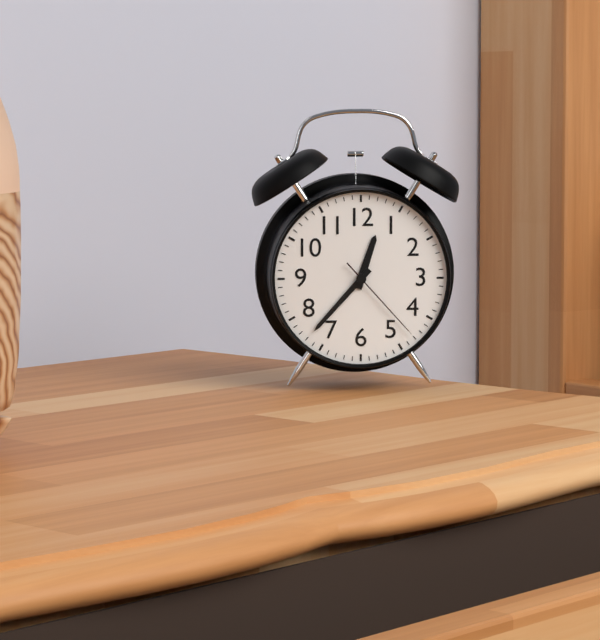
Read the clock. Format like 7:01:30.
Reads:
12:37:23
